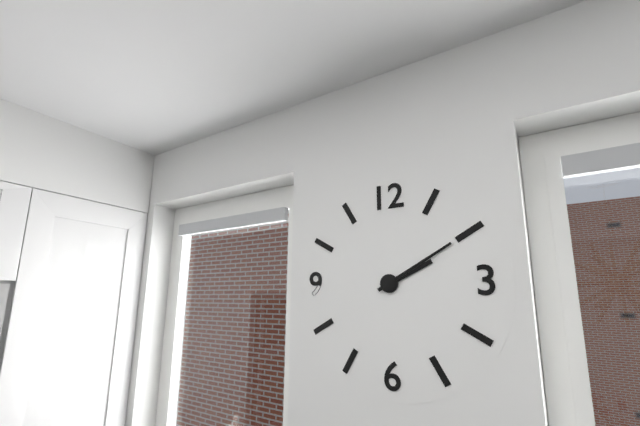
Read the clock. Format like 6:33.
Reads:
2:10
